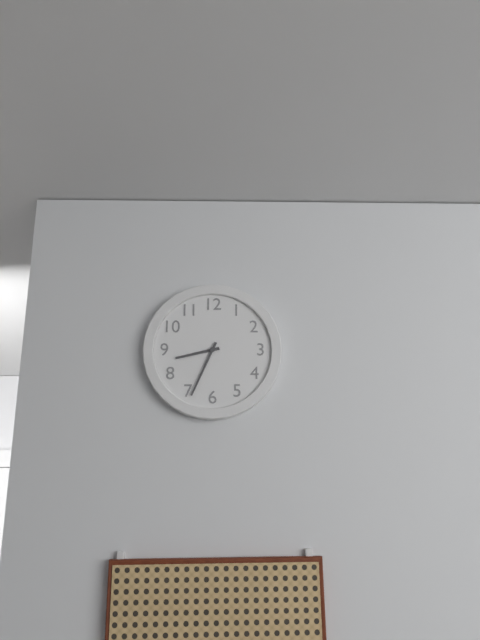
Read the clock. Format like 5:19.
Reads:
8:34
